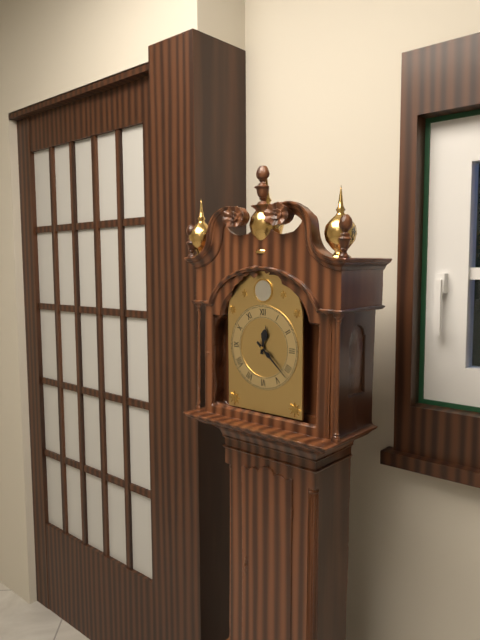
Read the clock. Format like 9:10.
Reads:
12:22
